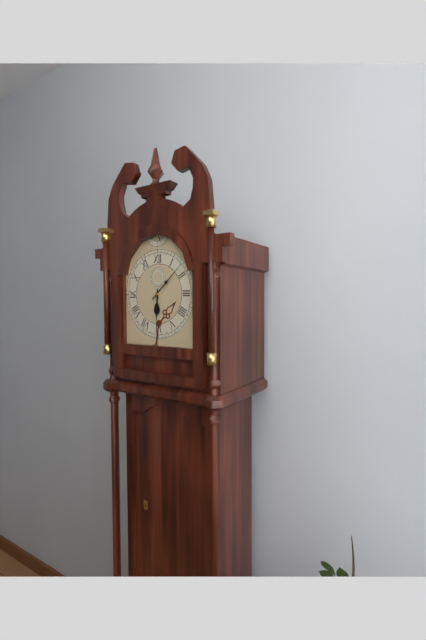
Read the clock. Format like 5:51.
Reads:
6:08
